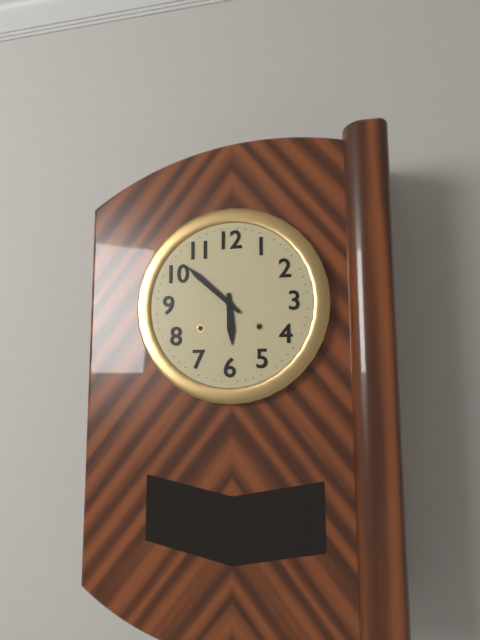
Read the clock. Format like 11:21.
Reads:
5:52
